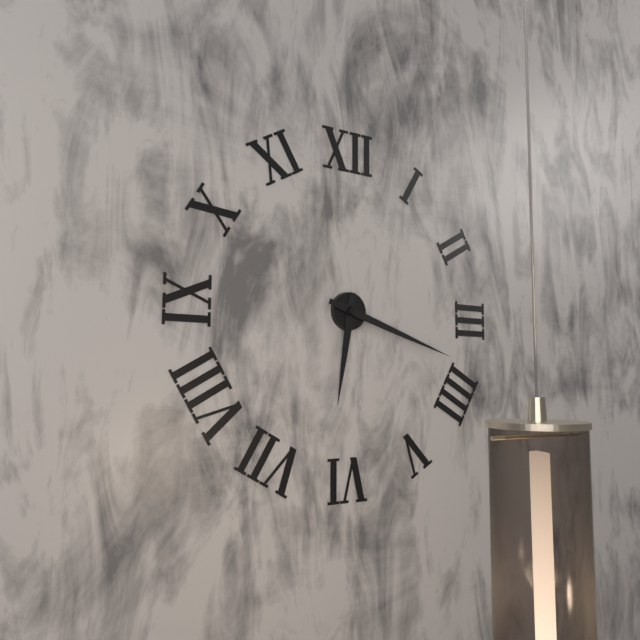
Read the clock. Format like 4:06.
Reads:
6:18
